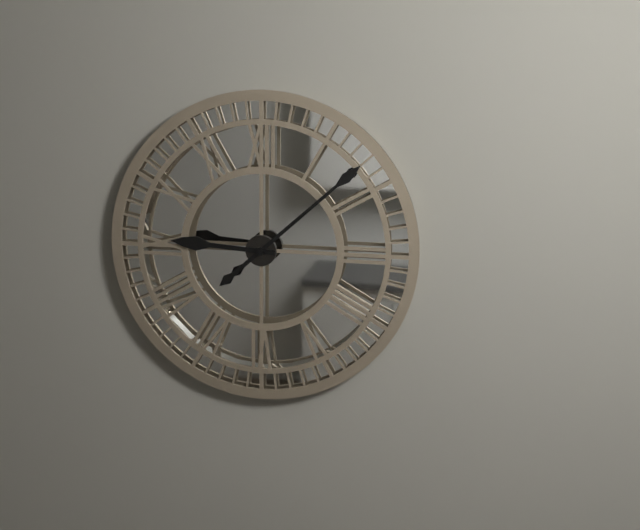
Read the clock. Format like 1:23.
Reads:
9:08
